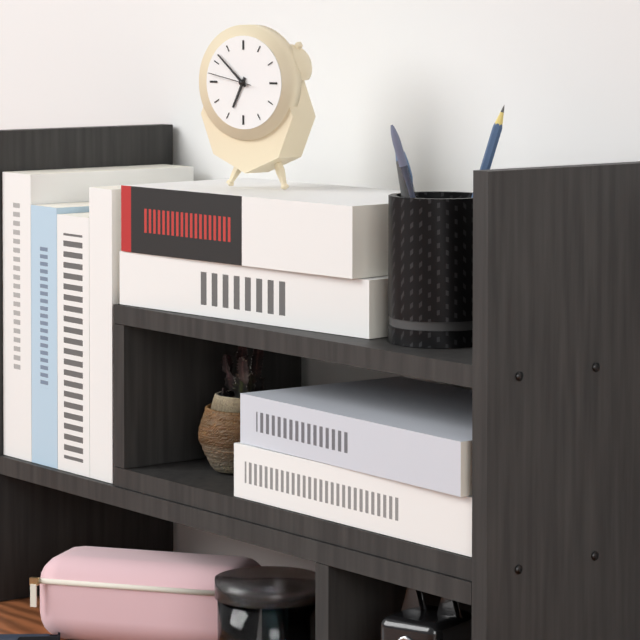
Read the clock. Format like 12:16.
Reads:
6:52
